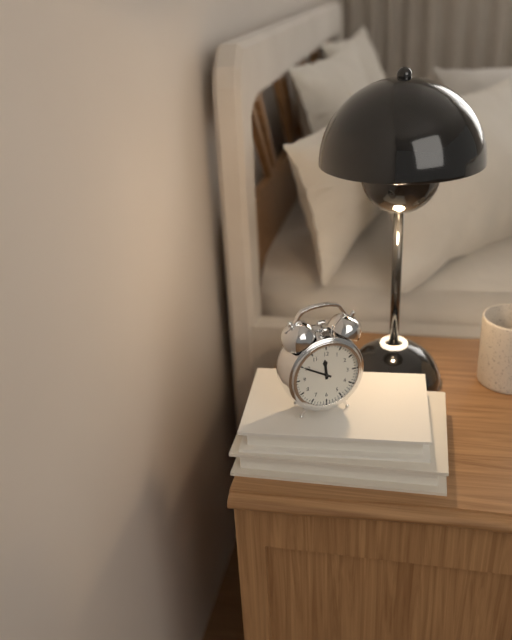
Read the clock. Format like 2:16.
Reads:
11:50
